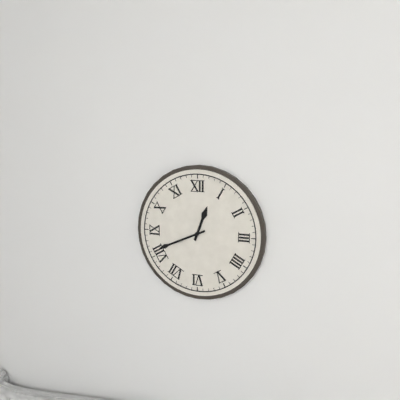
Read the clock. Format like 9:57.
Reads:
12:41
